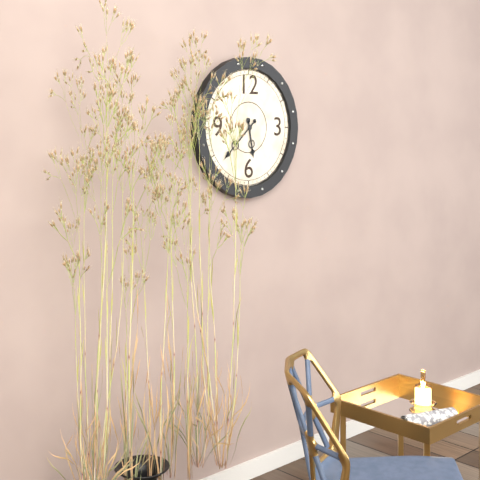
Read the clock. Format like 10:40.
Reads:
5:38
